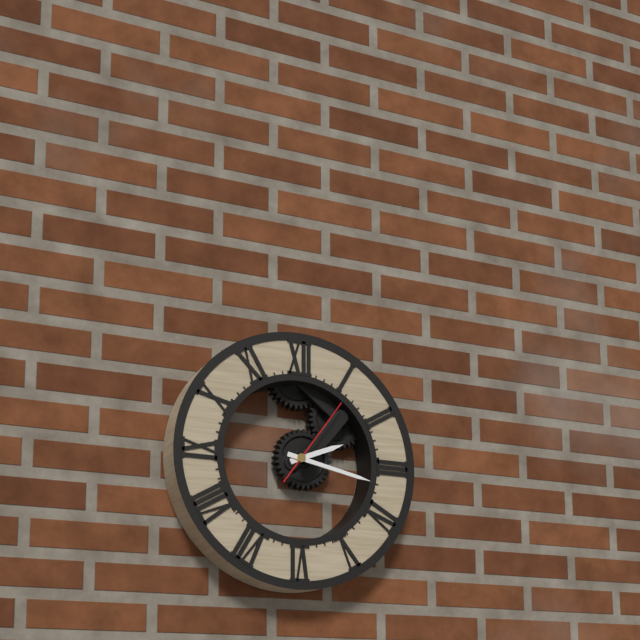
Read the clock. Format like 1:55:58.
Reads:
2:17:06
